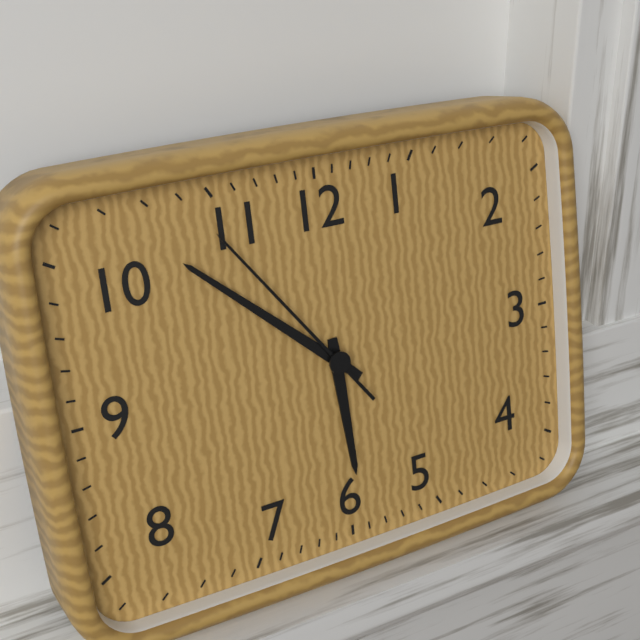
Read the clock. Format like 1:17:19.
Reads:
5:52:54
